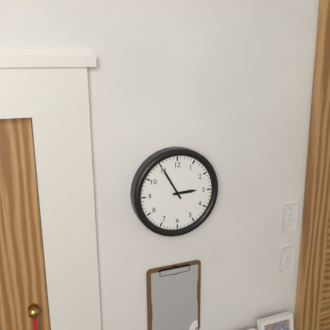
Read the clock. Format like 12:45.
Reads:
2:55
